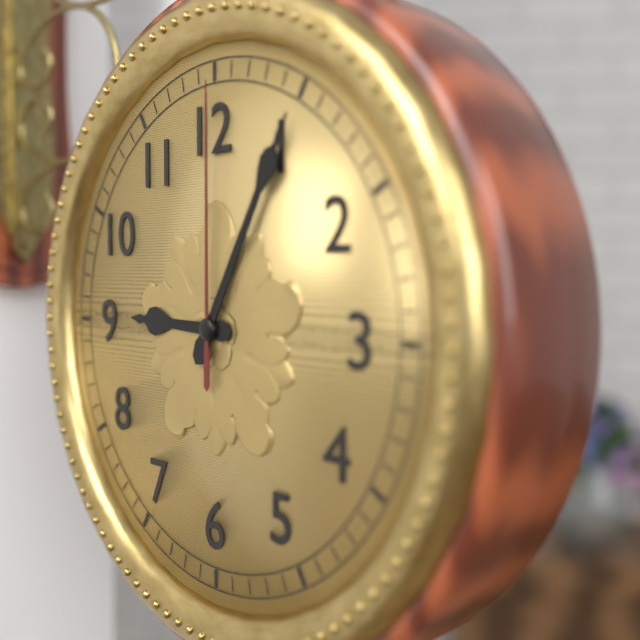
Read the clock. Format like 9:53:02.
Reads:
9:05:00
